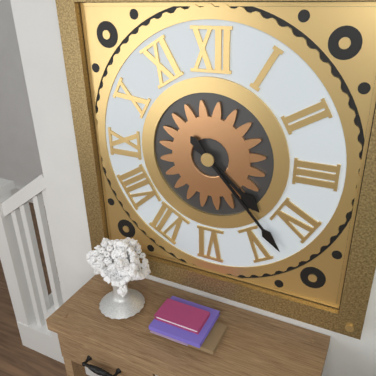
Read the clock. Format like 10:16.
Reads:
4:23
